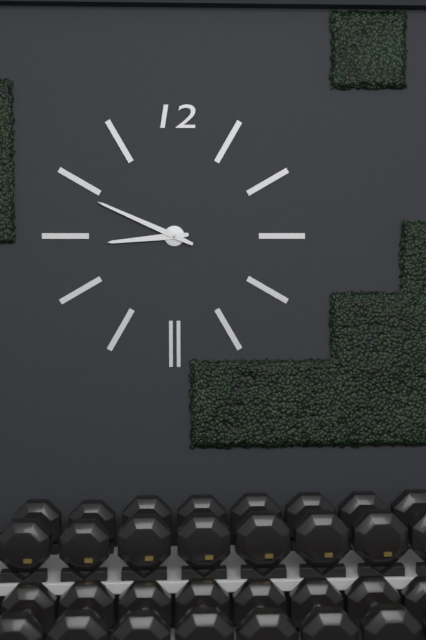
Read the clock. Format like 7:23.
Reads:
8:49
